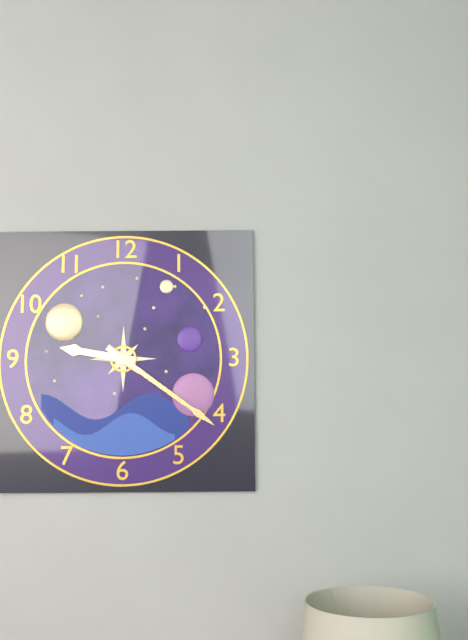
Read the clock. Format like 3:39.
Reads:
9:21
